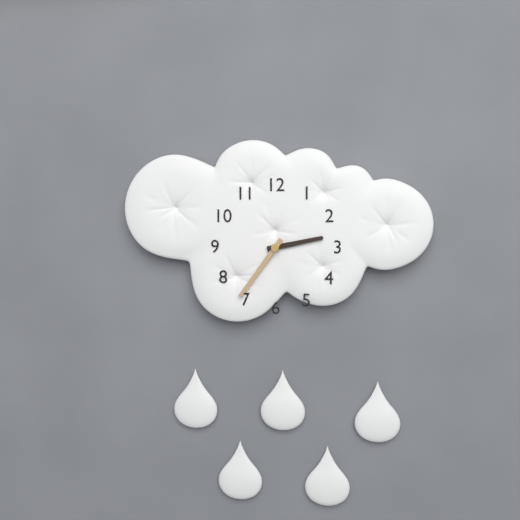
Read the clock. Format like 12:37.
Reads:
2:36
